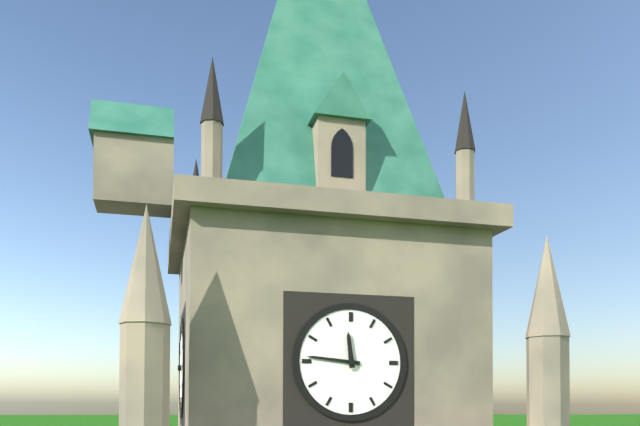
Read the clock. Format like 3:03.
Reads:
11:46
